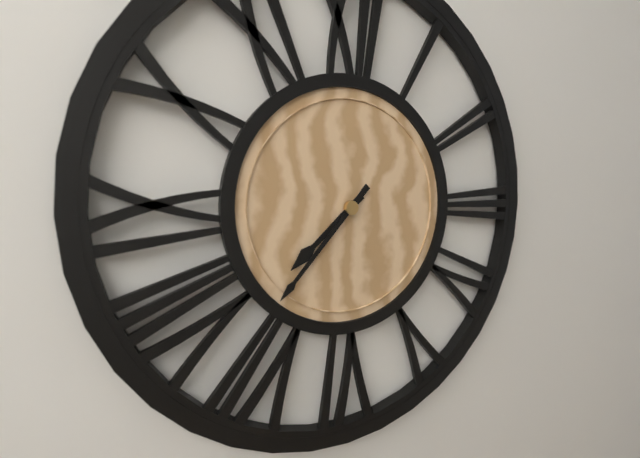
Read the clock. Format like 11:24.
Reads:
7:37
